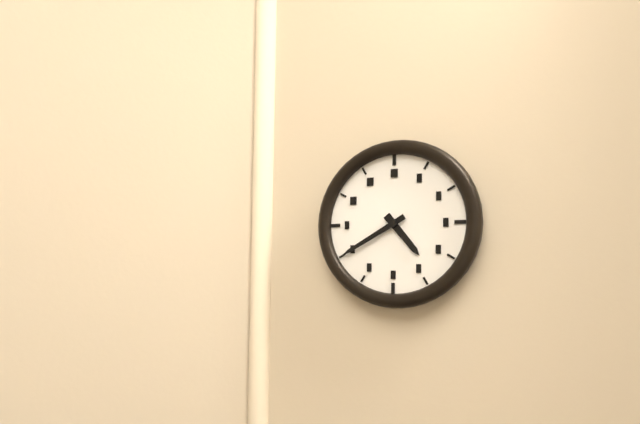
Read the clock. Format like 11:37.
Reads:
4:40
